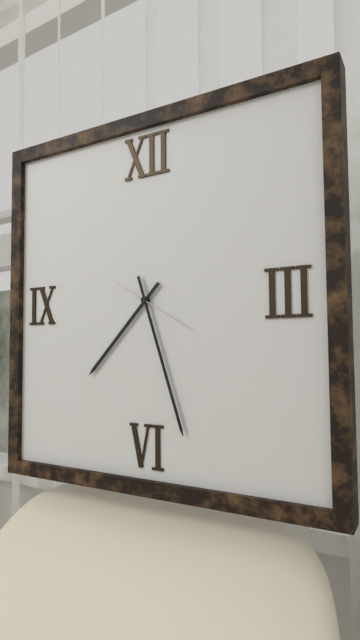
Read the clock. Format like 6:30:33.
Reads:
7:27:20
